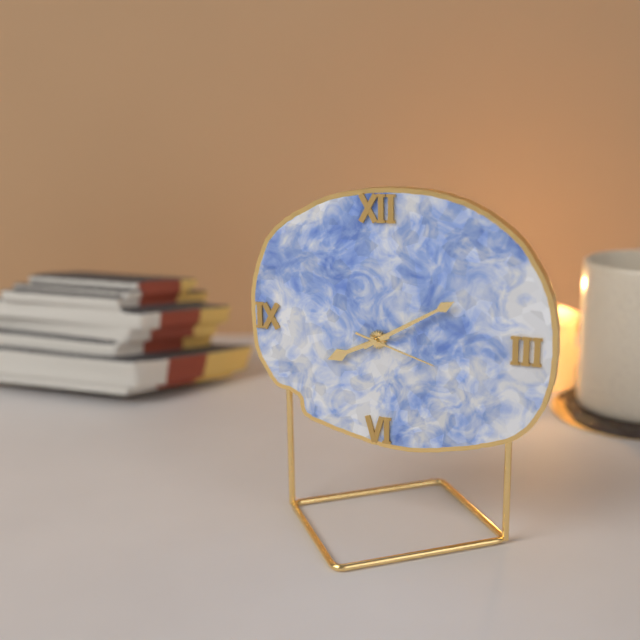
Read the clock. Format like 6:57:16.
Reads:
8:10:18
